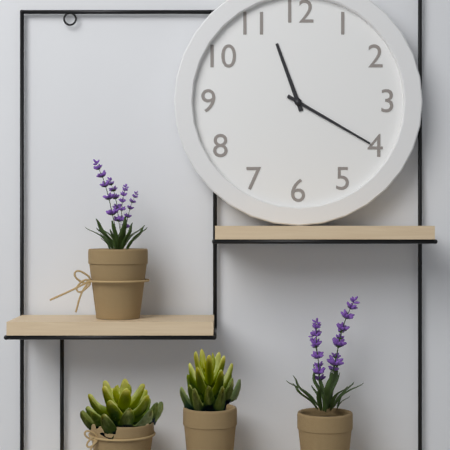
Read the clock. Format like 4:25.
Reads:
11:20
